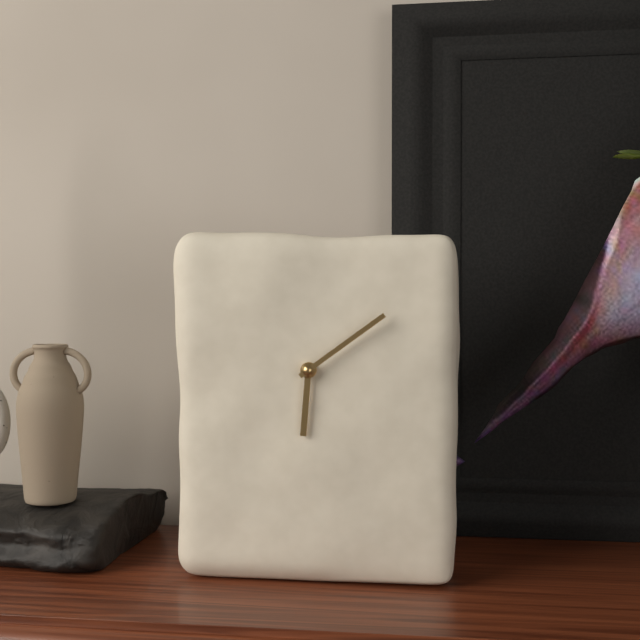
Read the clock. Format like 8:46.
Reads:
6:09
